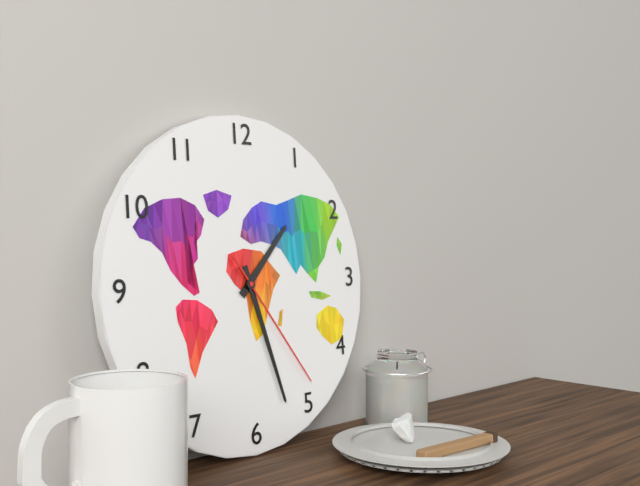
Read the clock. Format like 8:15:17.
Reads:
1:27:24
